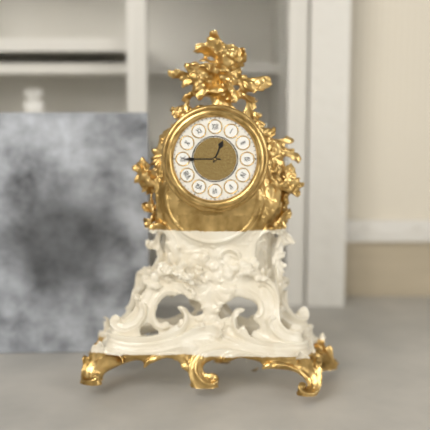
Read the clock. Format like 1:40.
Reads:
12:45
